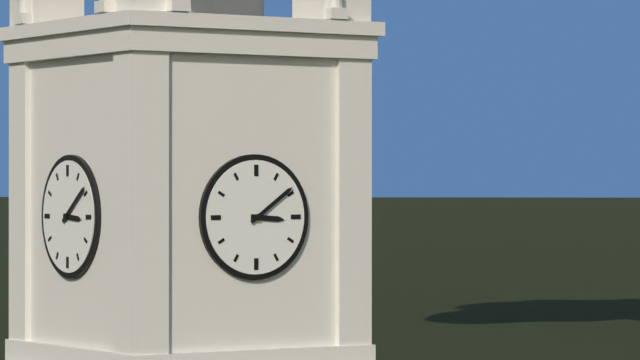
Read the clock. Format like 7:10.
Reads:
3:09
